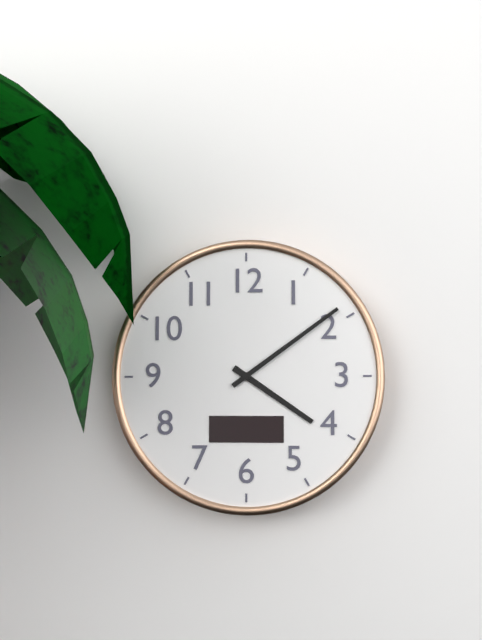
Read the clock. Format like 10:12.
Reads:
4:09
